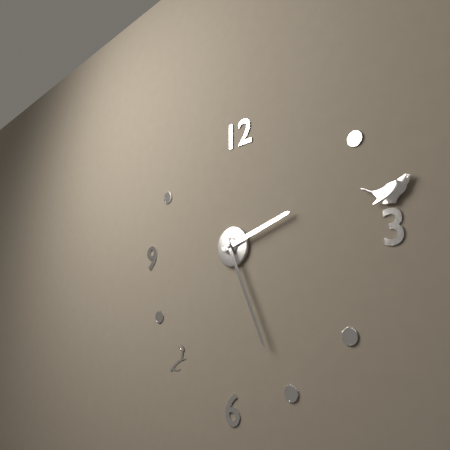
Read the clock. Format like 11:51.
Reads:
2:26
